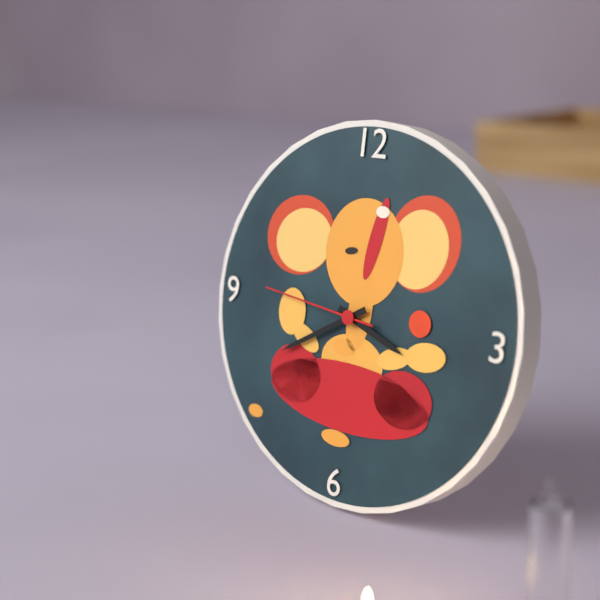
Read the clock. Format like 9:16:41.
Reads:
3:40:46
